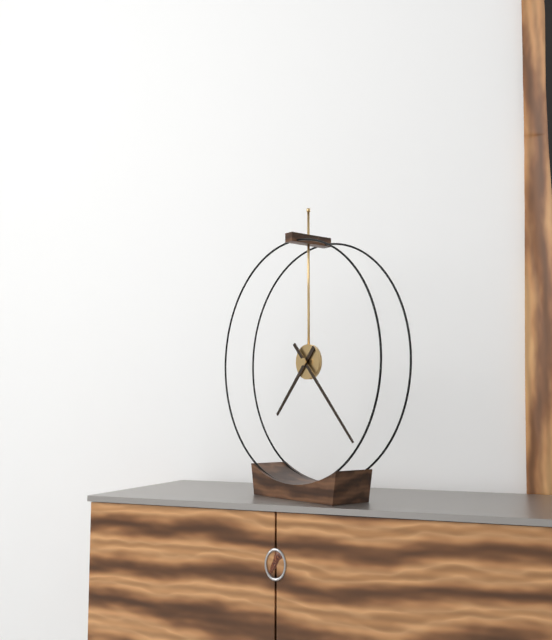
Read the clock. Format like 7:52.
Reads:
7:23
